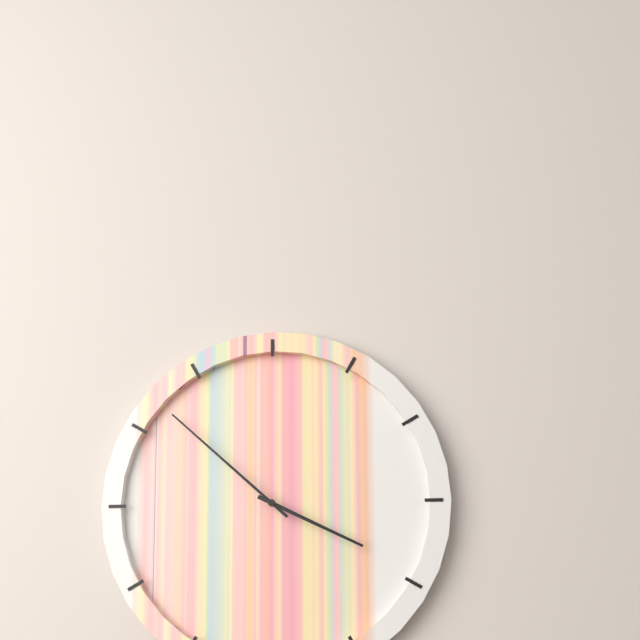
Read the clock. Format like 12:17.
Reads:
3:52
